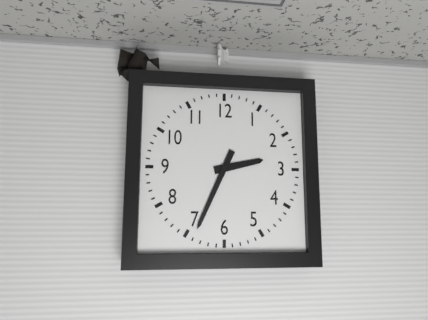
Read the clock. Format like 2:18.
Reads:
2:34
